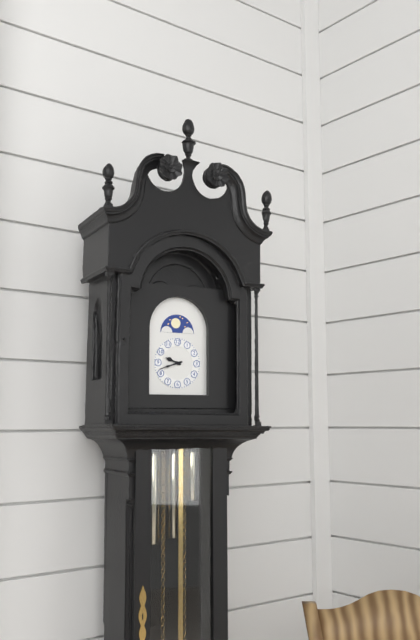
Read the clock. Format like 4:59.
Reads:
9:42
